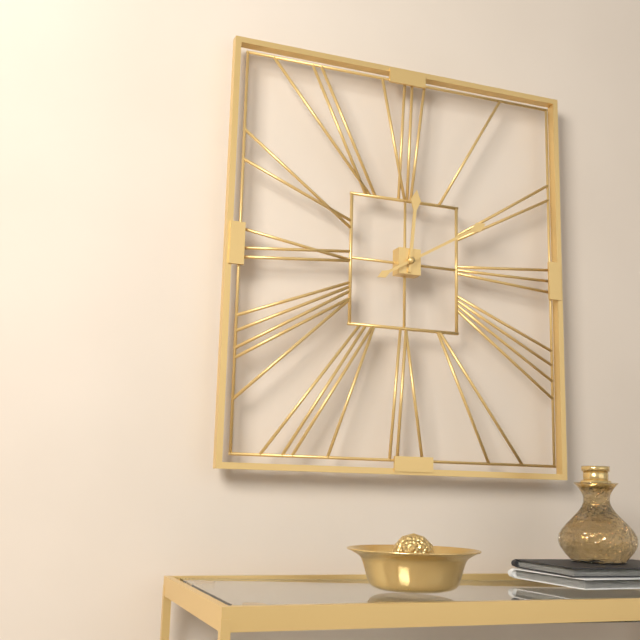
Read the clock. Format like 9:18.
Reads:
12:10
